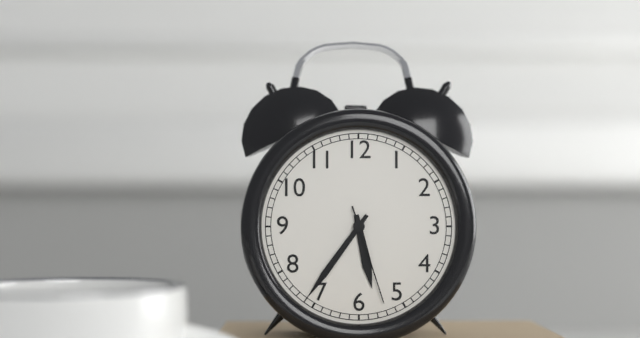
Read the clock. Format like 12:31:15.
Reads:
5:36:27
